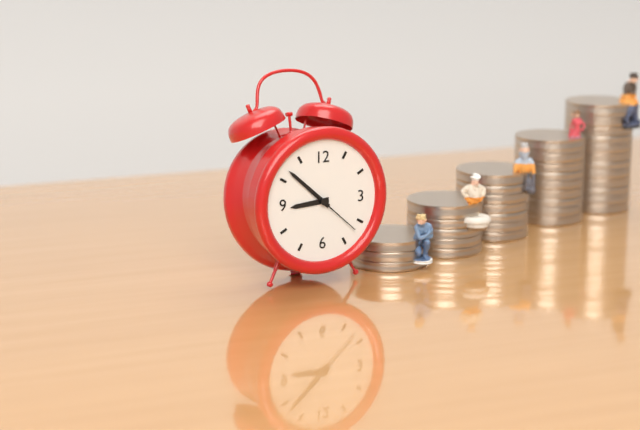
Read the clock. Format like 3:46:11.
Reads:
8:52:22
